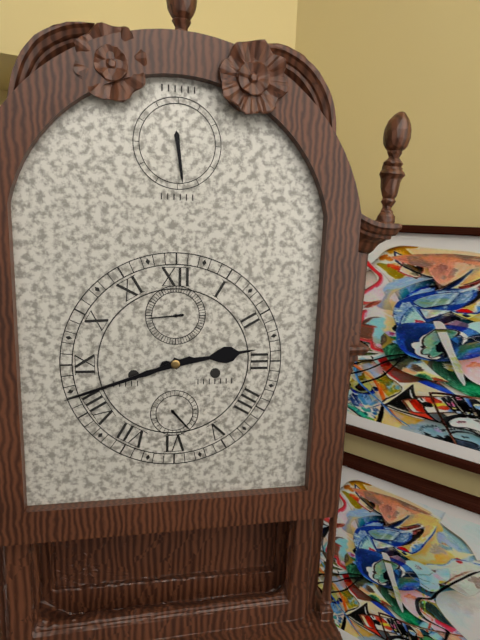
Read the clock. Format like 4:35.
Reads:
2:42
